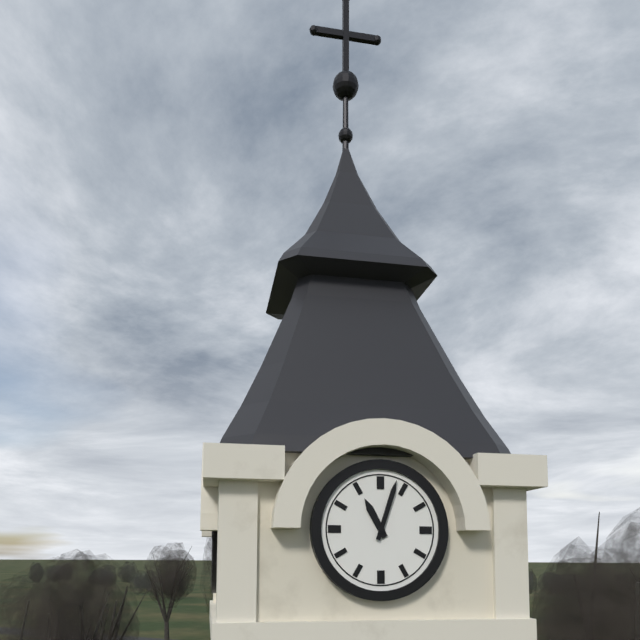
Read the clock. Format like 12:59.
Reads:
11:03
